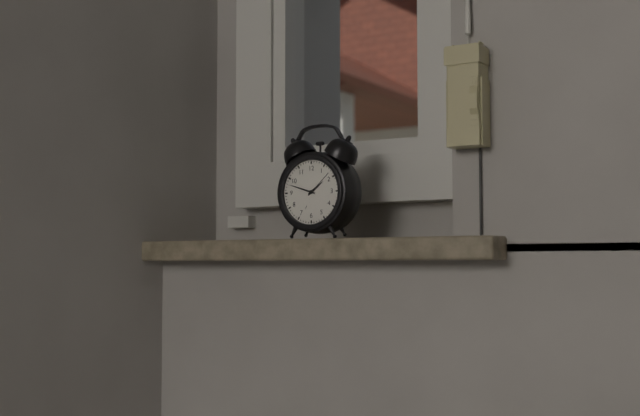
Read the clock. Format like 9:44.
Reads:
1:48
